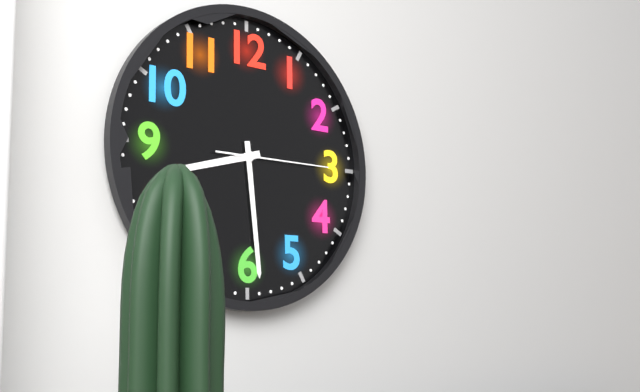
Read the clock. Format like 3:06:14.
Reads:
8:29:15
